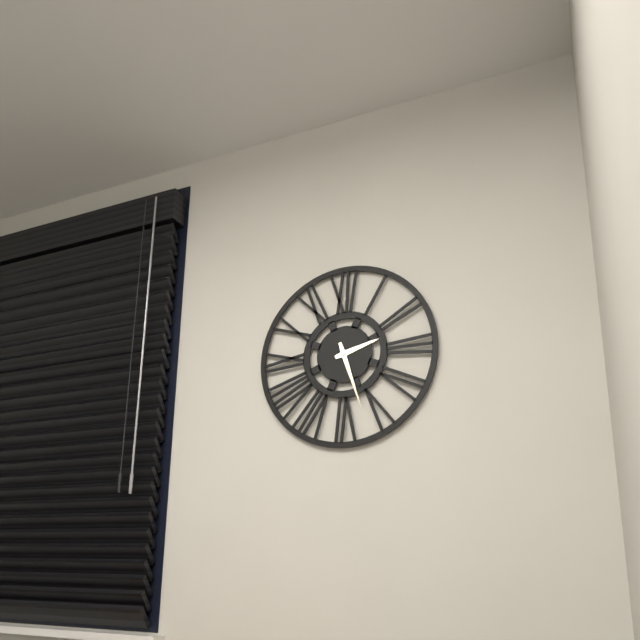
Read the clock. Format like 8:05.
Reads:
2:27
